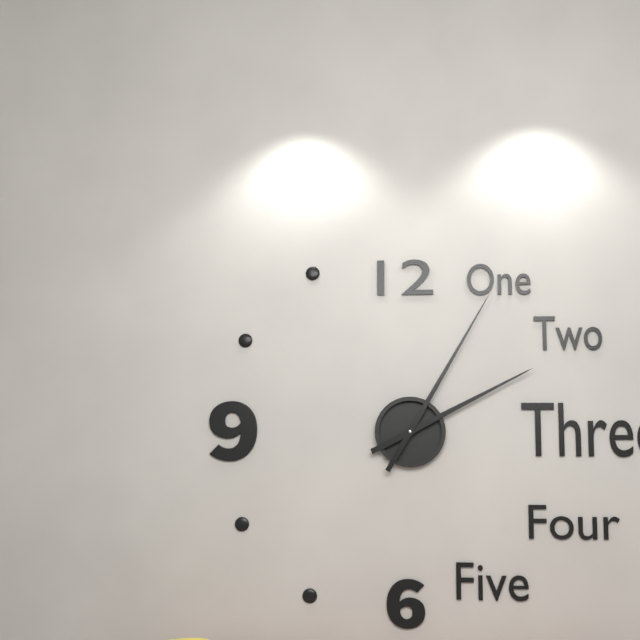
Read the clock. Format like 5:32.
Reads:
2:05
